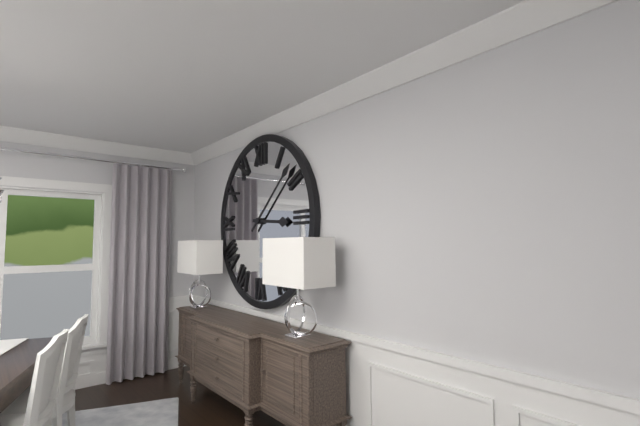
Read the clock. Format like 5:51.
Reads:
3:08
